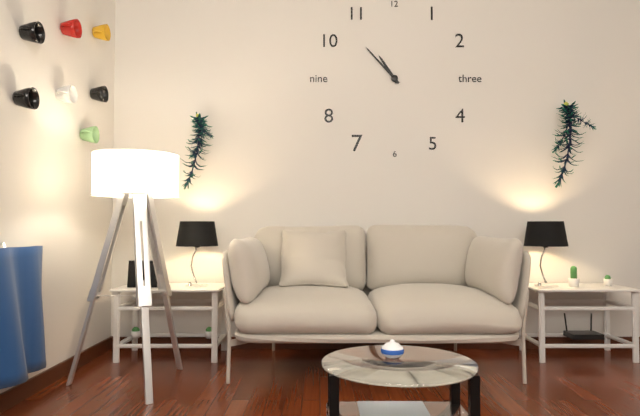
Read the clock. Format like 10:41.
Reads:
10:53
